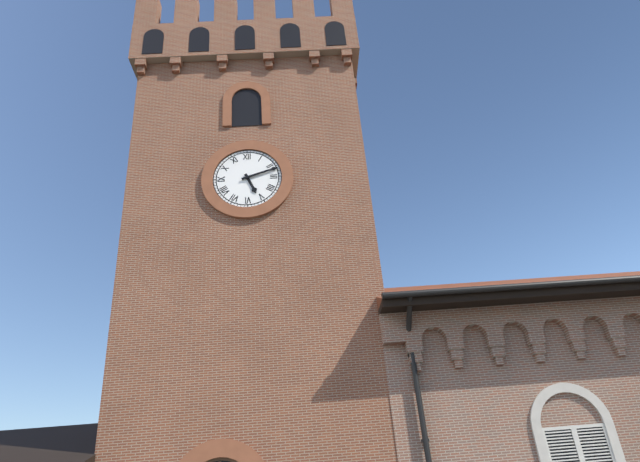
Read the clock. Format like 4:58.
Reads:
5:12
